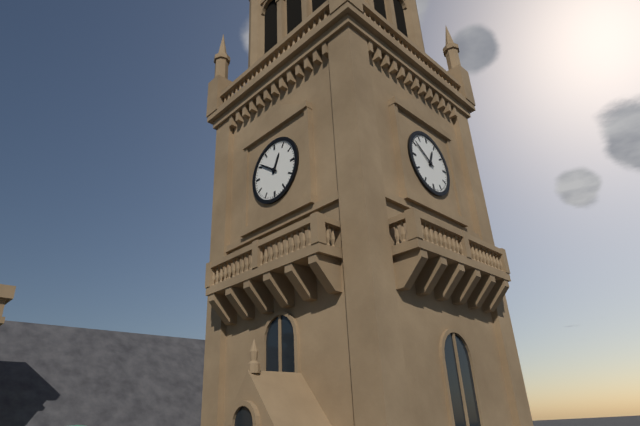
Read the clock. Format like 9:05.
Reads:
12:51
